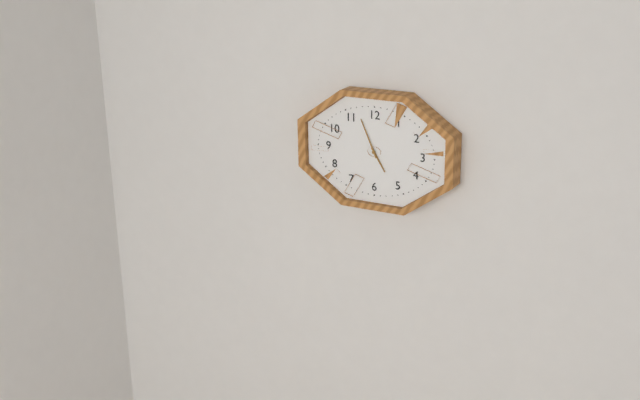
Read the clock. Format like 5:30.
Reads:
4:56
